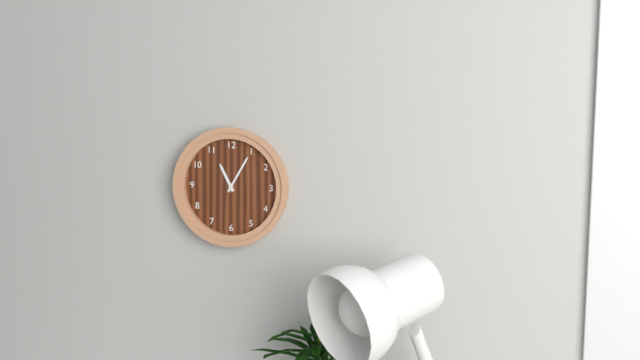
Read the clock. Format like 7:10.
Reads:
11:05
